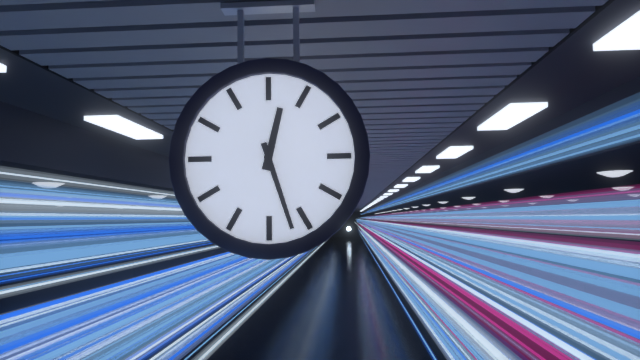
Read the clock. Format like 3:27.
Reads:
12:27
